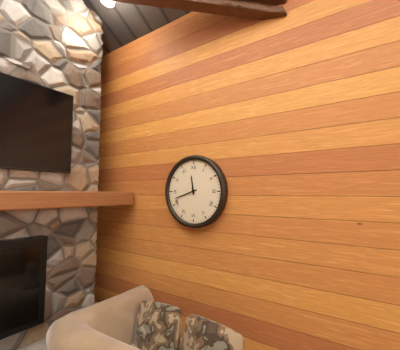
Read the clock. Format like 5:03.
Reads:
11:42
